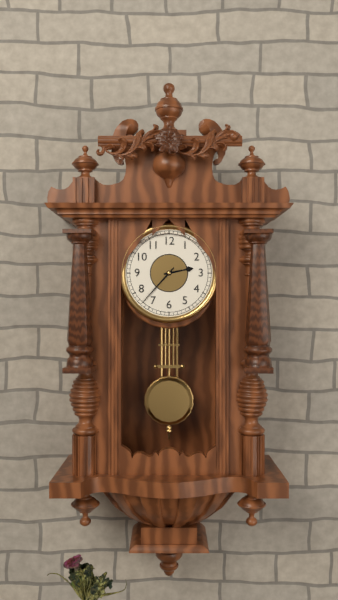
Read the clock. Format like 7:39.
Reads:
2:37
